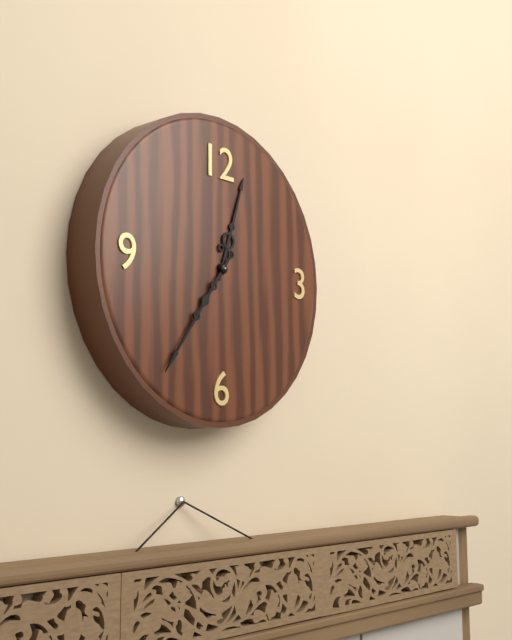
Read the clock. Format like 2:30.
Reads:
12:36
